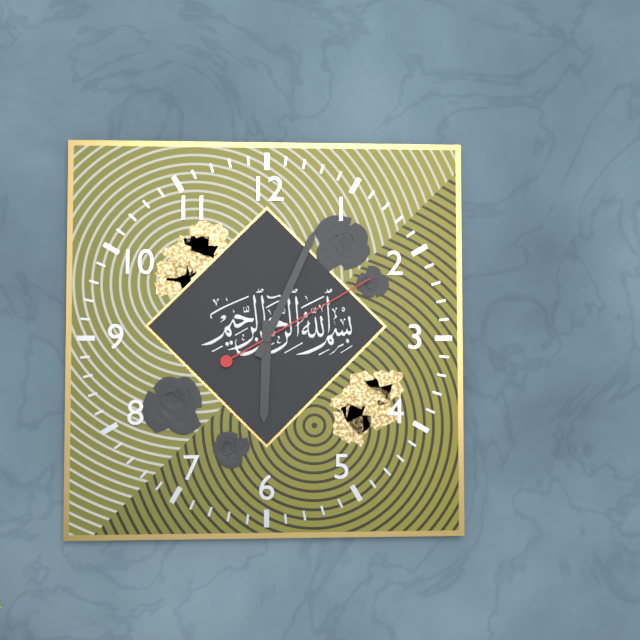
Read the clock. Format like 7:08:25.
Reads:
6:04:10
